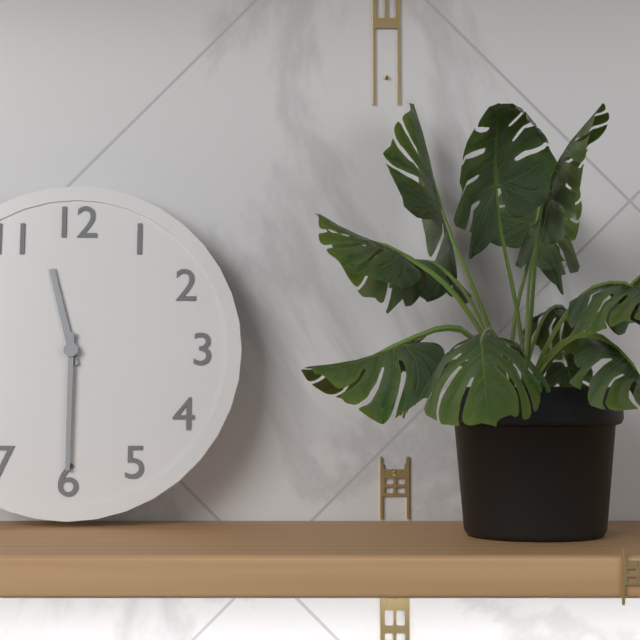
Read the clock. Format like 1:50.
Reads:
11:30
